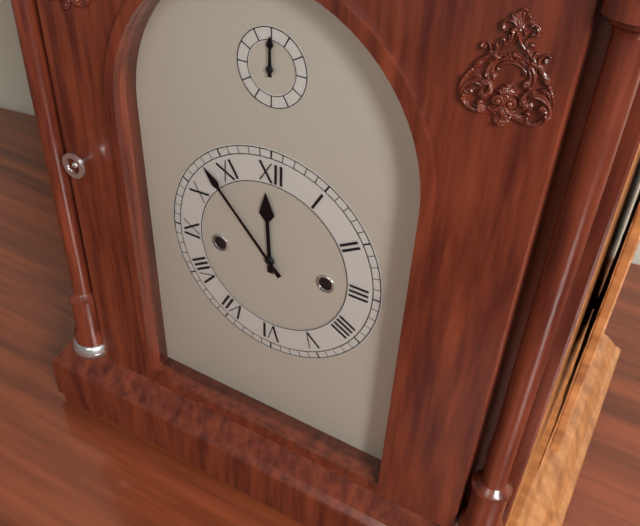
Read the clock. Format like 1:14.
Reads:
11:53
